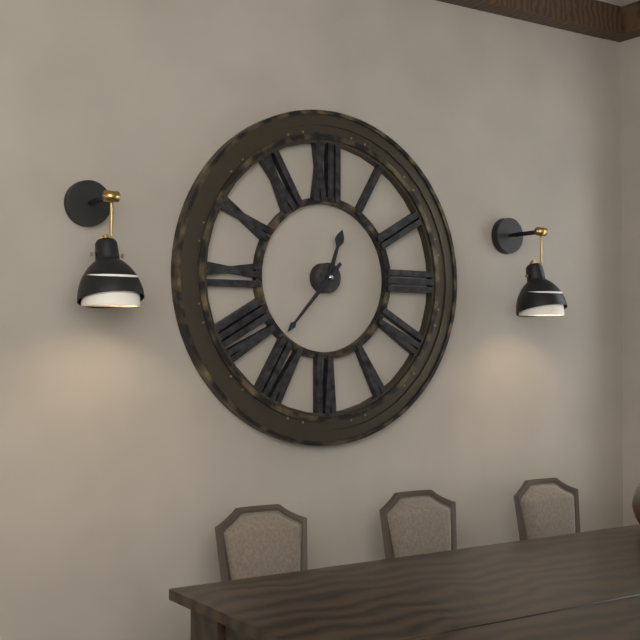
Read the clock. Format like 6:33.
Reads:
12:37
